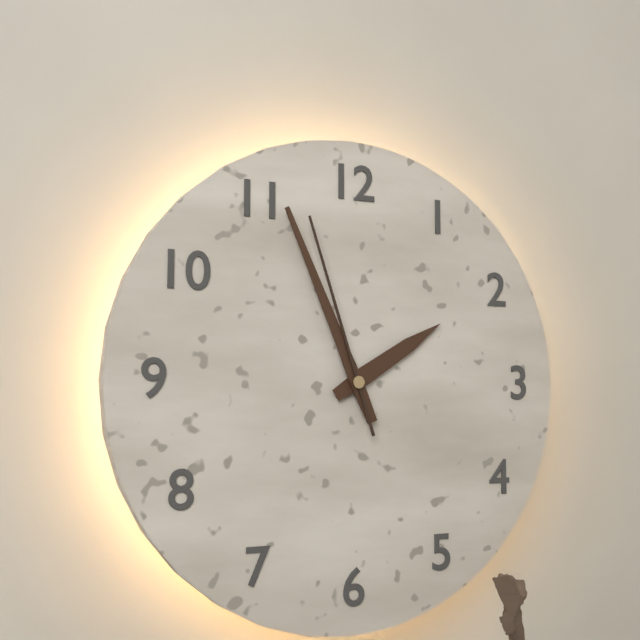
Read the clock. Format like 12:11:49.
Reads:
1:56:57
